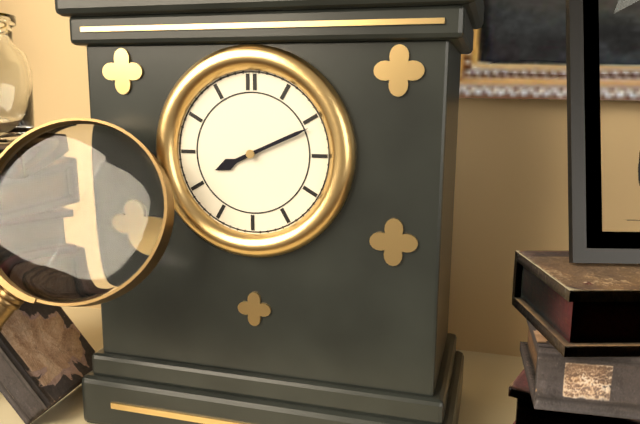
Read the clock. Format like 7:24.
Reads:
8:11
